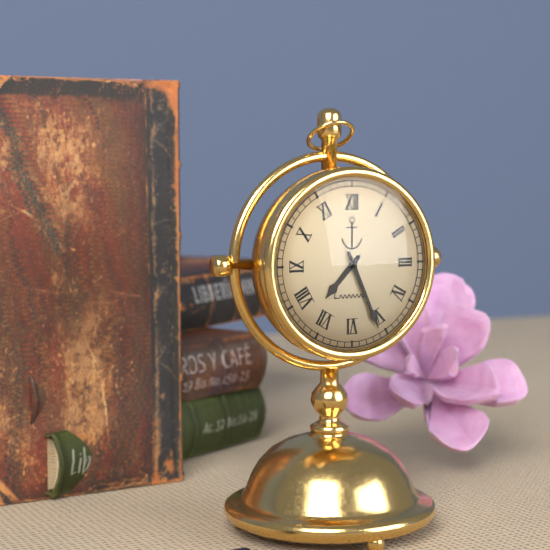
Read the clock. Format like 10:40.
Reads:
7:26
